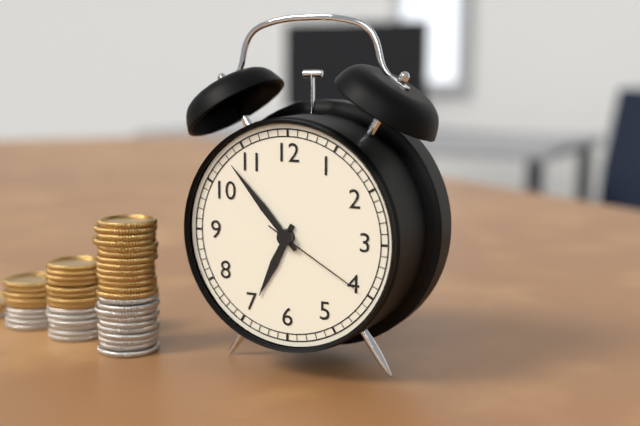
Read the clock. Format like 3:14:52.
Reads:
6:53:20
